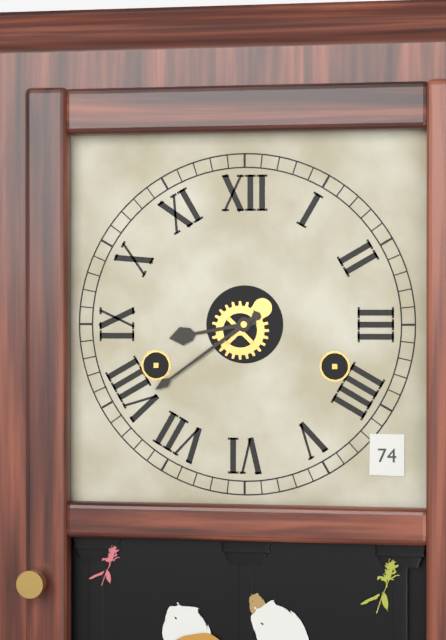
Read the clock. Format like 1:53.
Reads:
8:39
